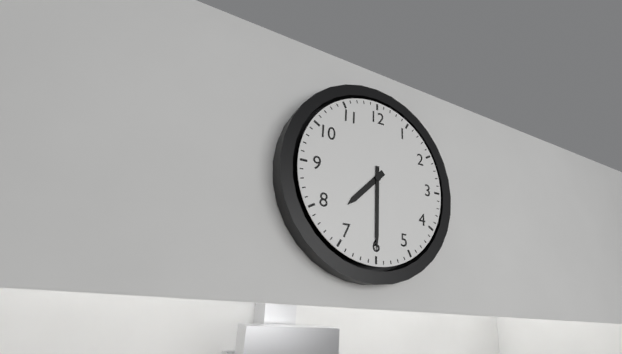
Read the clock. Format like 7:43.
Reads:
7:30
